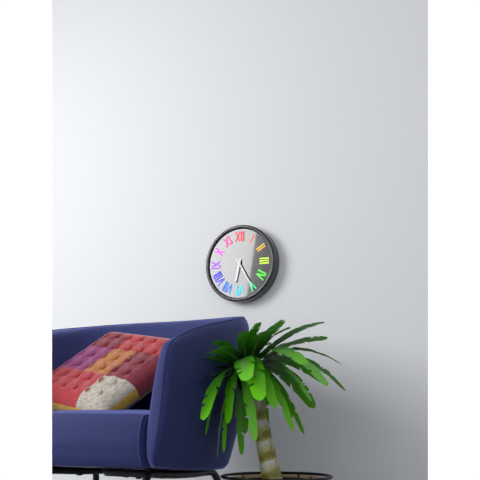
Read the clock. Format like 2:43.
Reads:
6:25
